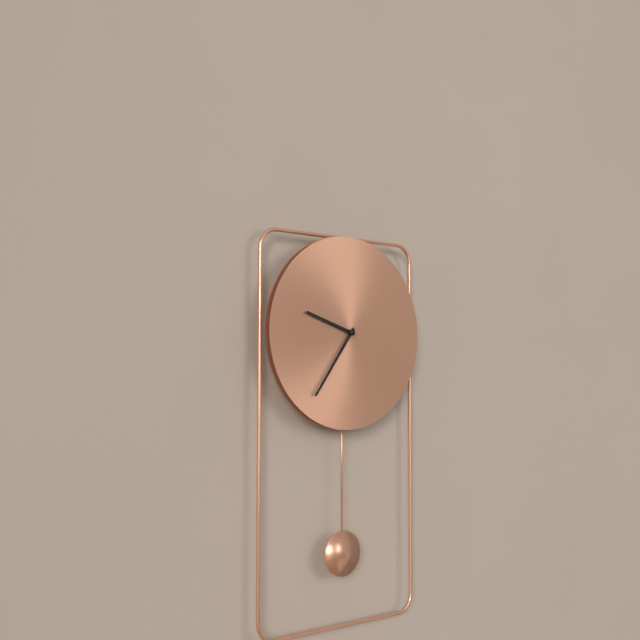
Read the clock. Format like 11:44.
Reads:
9:36
